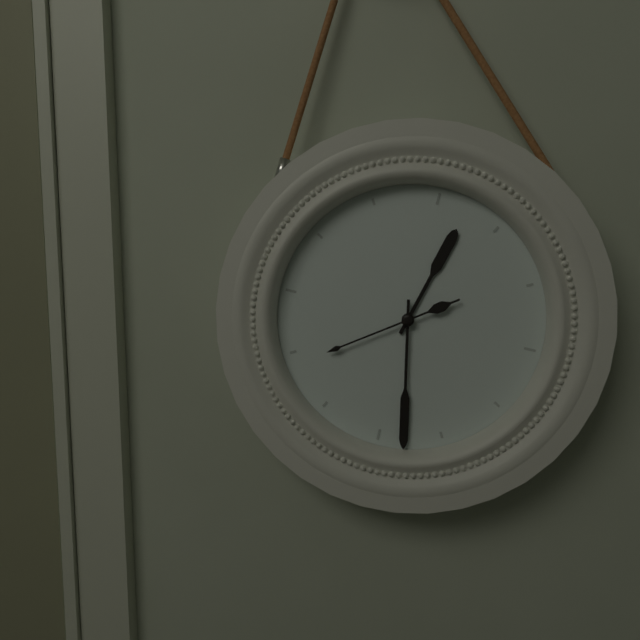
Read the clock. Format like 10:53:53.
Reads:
12:28:39
